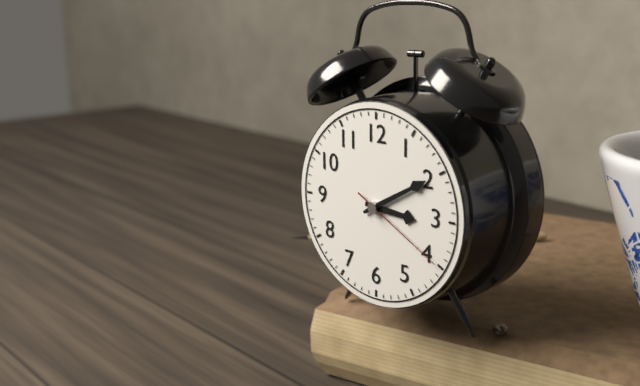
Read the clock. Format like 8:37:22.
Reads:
3:10:20
